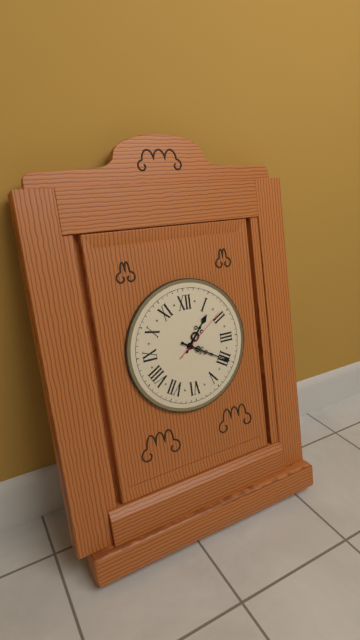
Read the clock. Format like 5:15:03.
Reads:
1:20:09
